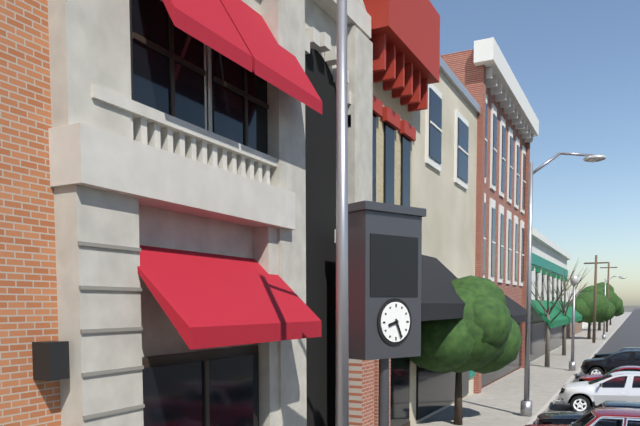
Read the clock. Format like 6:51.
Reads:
8:26
